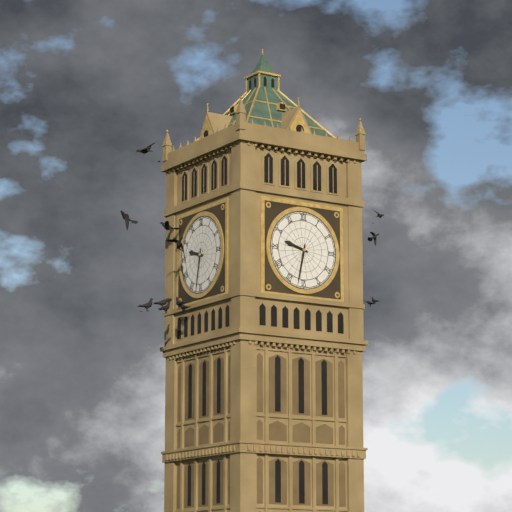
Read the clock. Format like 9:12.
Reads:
9:32
